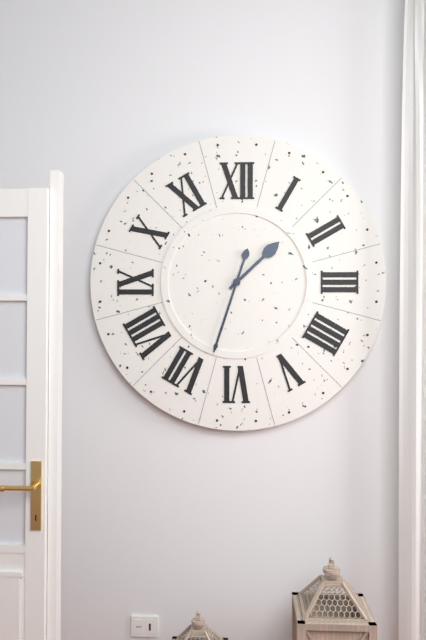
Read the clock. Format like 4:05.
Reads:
1:33
